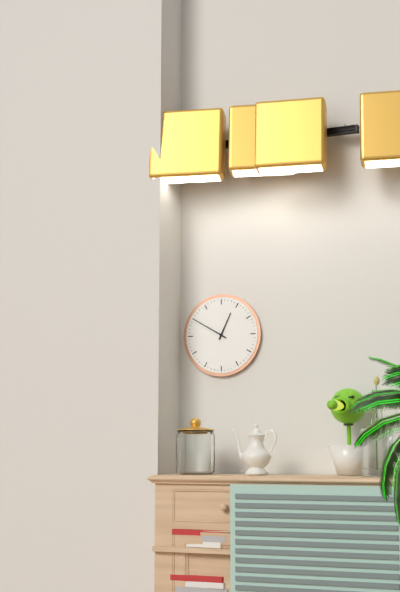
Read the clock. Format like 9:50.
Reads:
12:50
